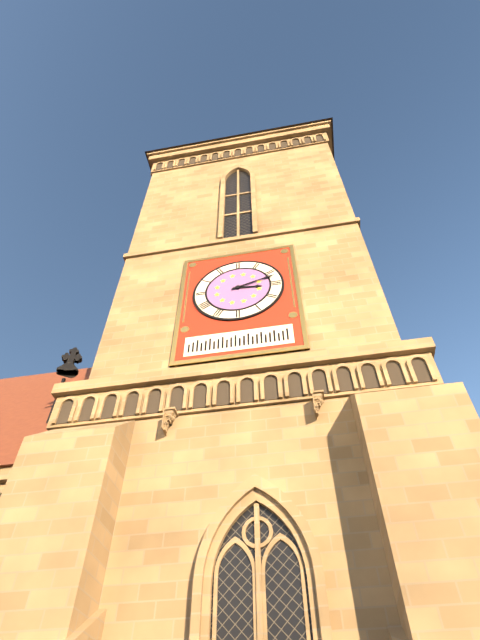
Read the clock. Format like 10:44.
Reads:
3:12
